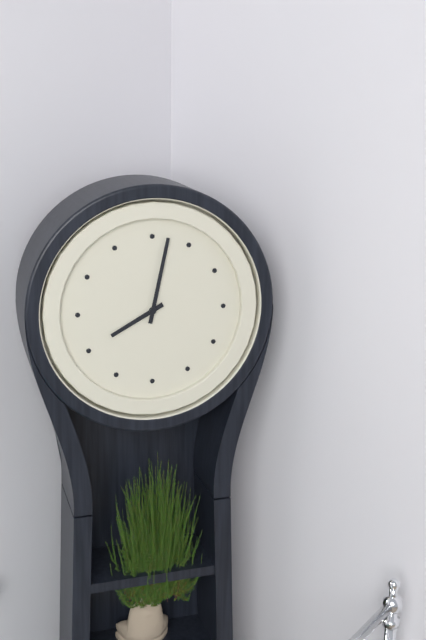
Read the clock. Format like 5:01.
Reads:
8:02
